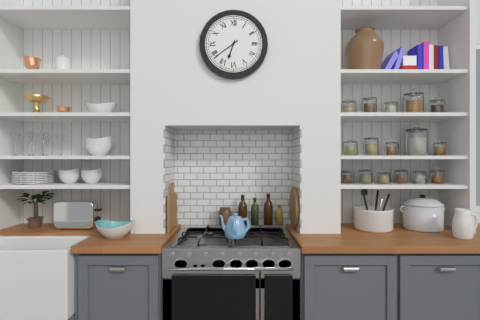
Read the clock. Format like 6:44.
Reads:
6:39
